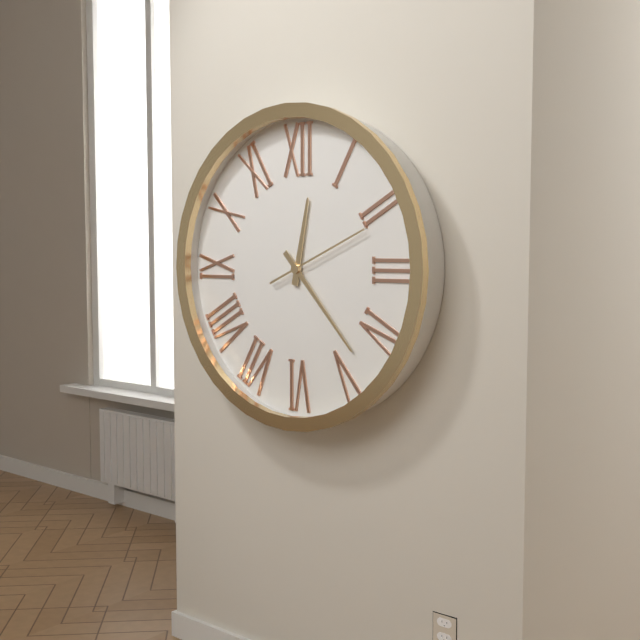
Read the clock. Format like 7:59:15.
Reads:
12:23:11
